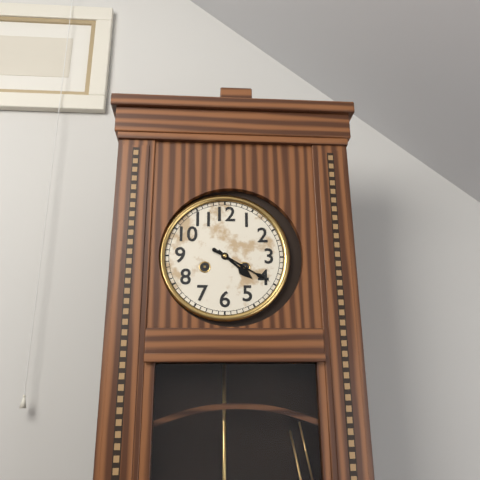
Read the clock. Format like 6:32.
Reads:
4:20
